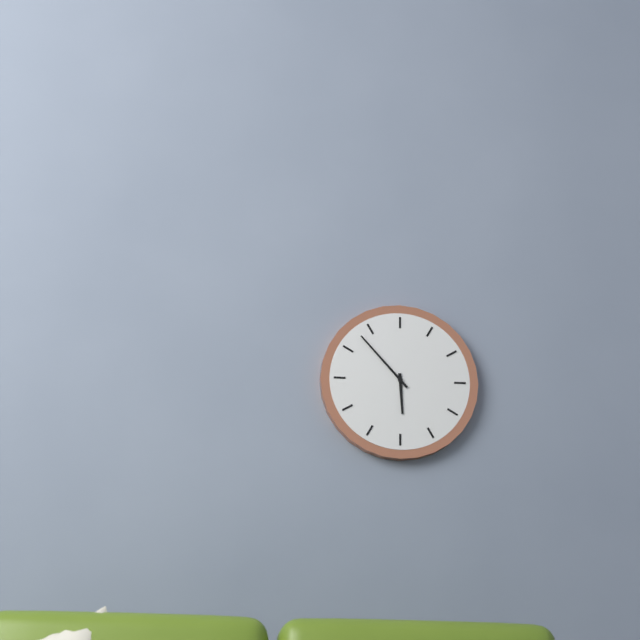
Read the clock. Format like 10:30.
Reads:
5:53
